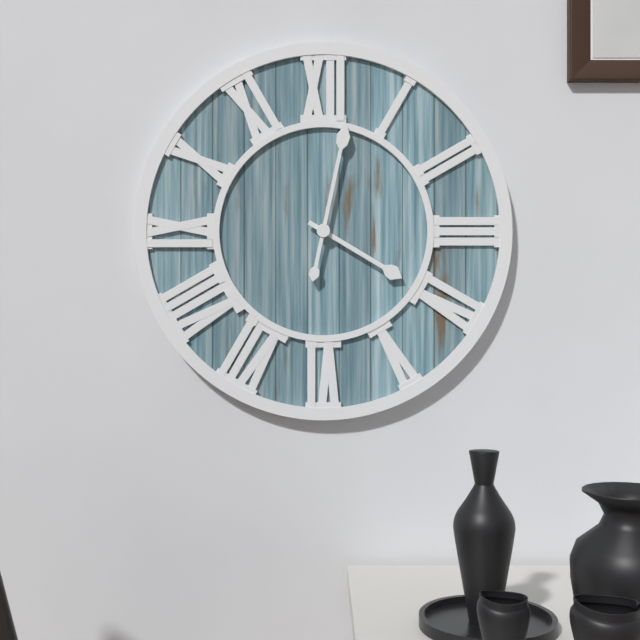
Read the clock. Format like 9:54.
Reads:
4:02
